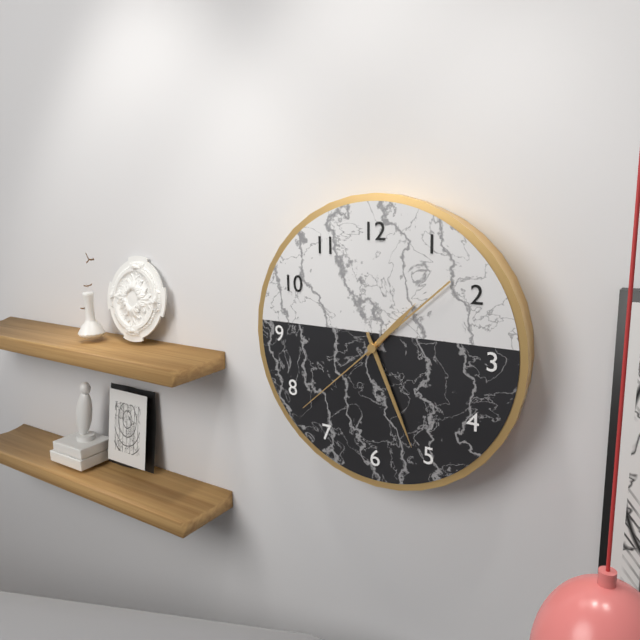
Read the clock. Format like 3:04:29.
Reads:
1:26:38
